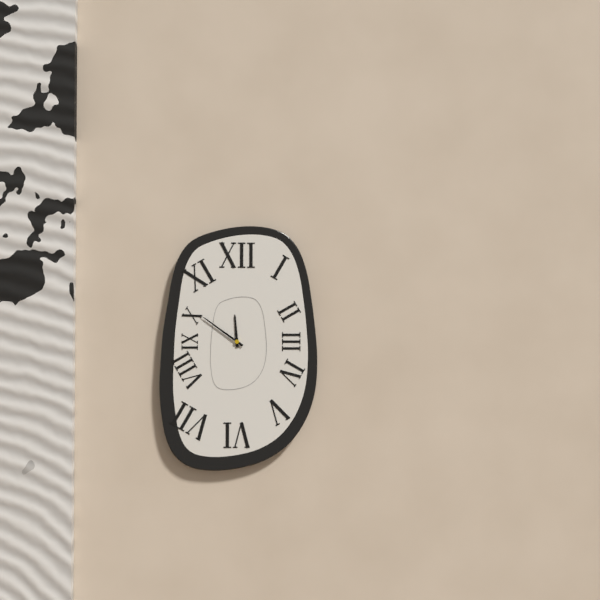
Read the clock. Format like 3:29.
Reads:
11:51
